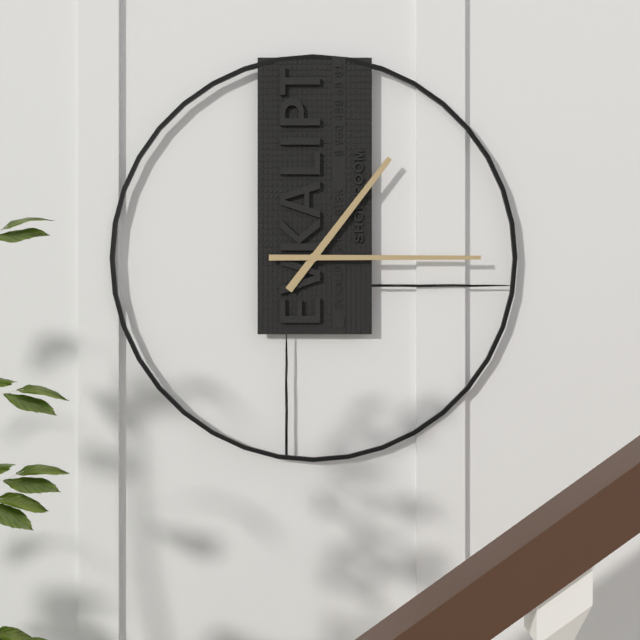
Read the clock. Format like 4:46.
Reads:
1:15
